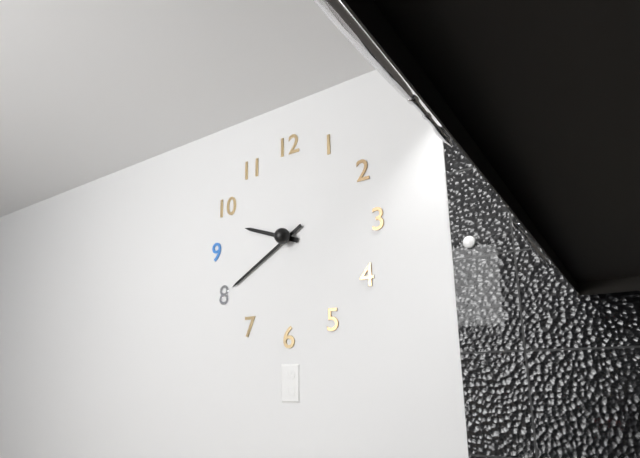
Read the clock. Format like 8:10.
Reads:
9:40
